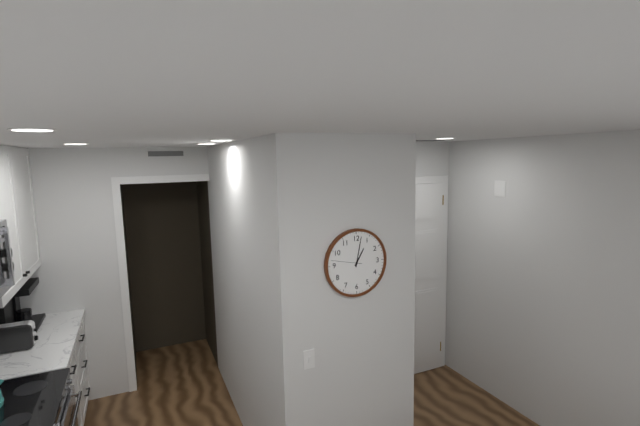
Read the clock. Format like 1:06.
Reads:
1:02
